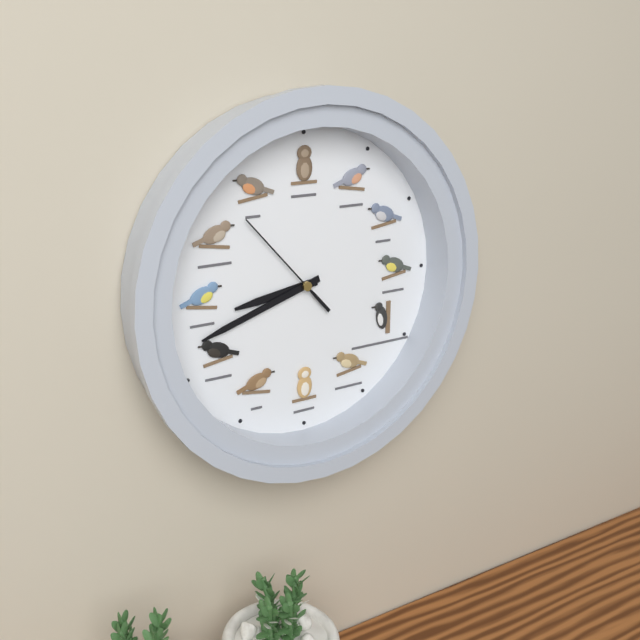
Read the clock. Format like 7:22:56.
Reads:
8:42:53
